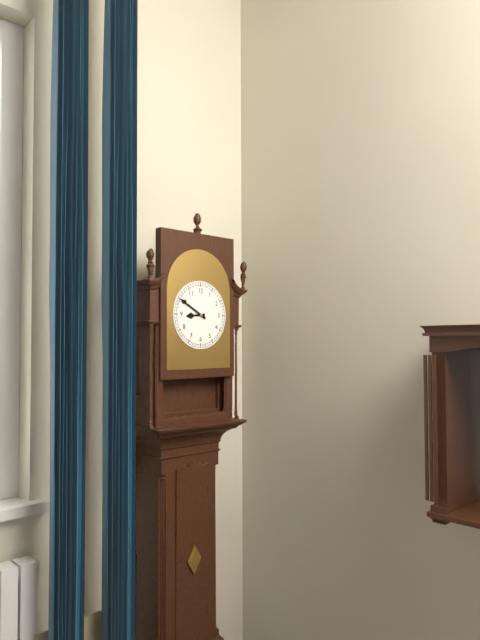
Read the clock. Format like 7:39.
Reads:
8:50
